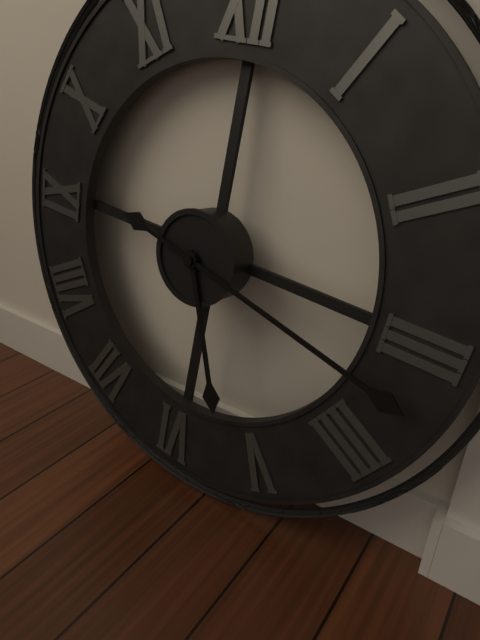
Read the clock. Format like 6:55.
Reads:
5:17
